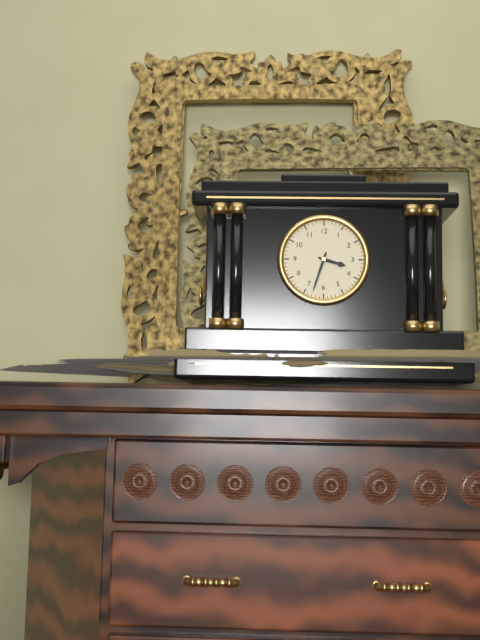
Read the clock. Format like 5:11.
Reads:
3:33
